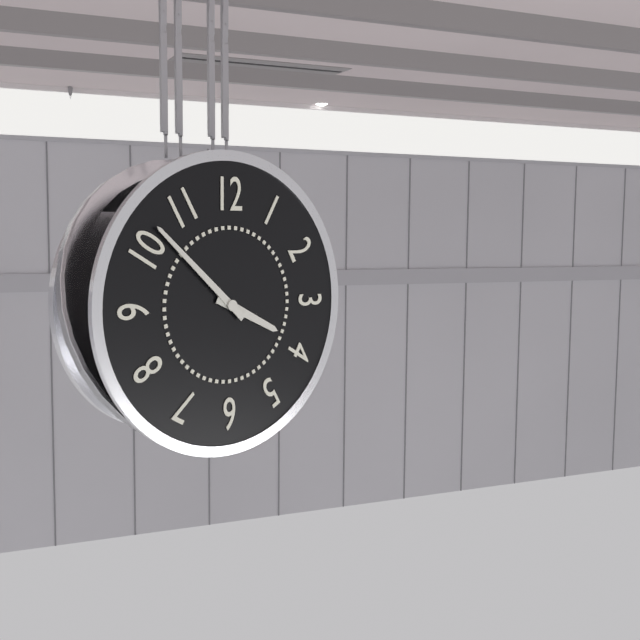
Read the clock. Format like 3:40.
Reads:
3:52
